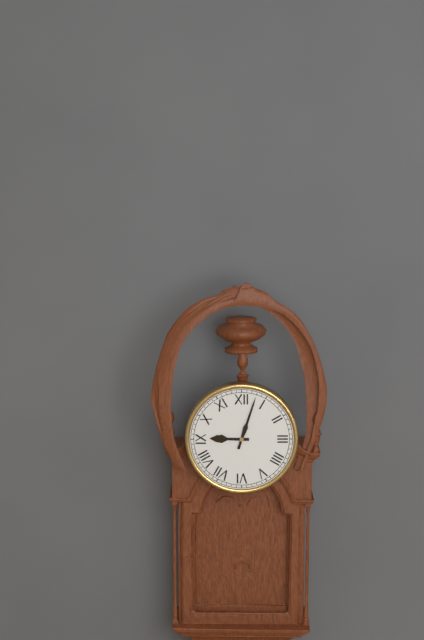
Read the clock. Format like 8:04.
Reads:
9:03
